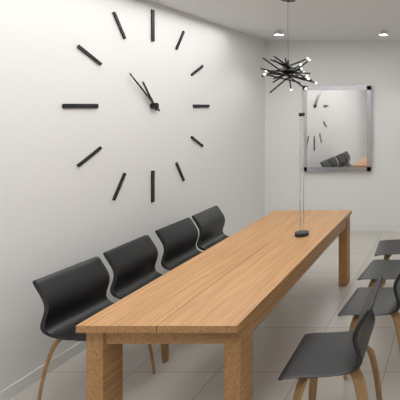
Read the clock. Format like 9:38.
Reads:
10:52
